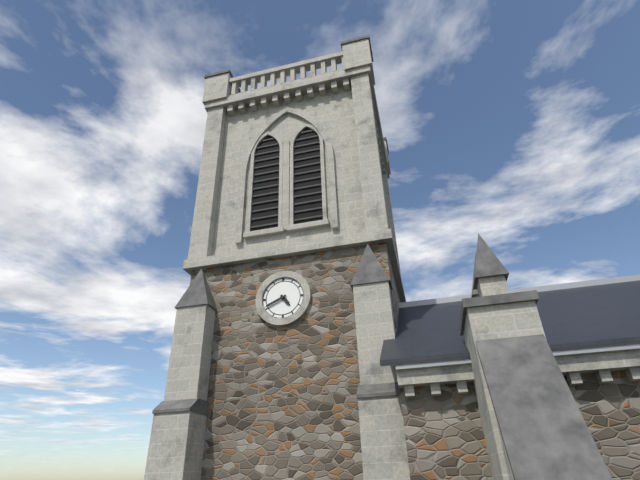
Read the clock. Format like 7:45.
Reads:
4:41
